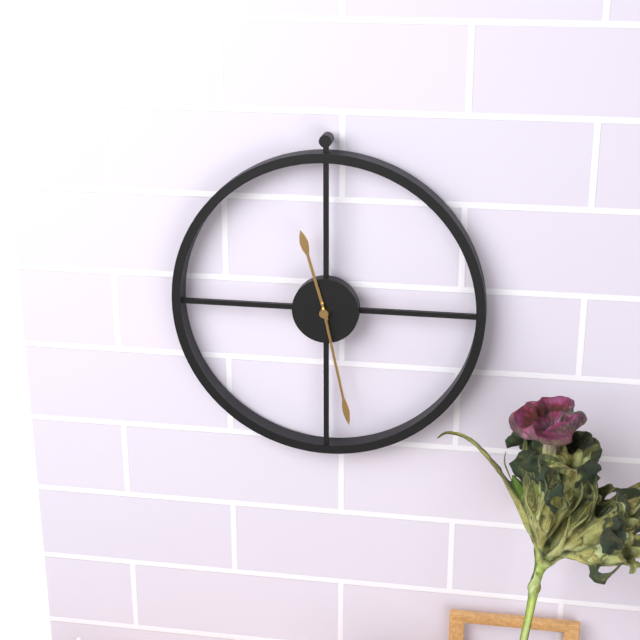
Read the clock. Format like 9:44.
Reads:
11:28
